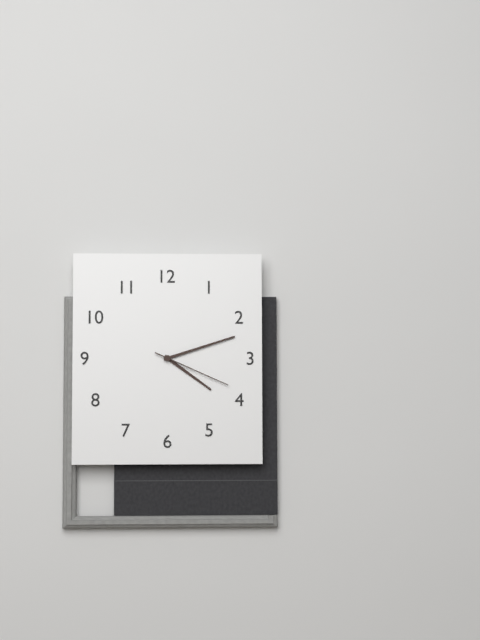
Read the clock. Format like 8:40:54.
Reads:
4:12:19
